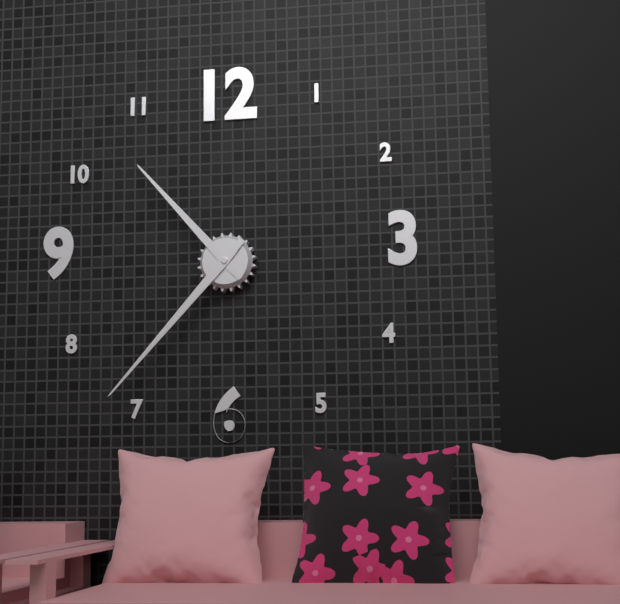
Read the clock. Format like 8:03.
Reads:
10:37
